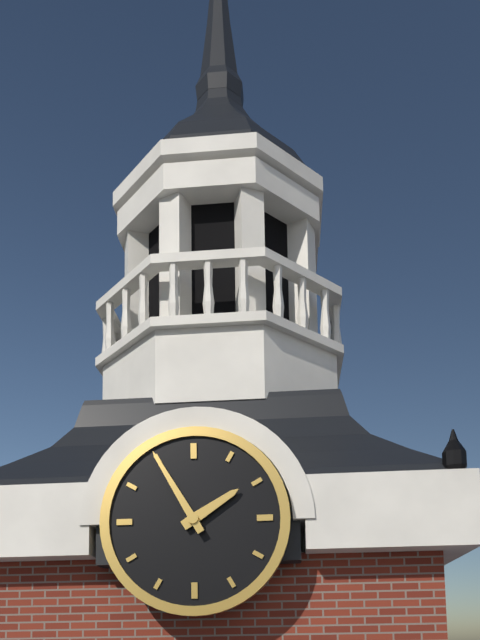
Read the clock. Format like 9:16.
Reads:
1:55
